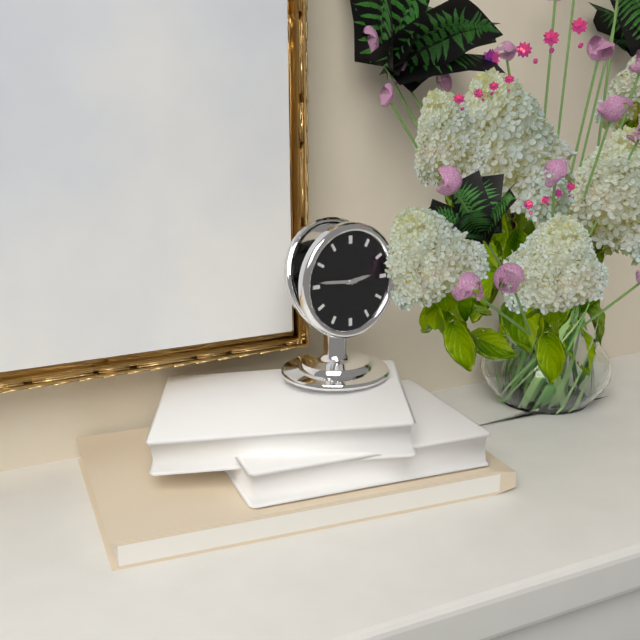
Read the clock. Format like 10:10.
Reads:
2:46
